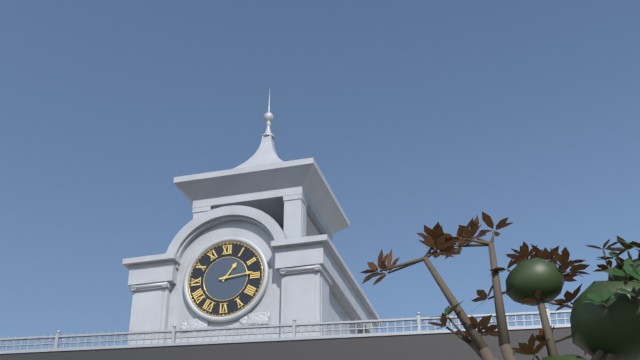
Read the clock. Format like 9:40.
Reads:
1:14
